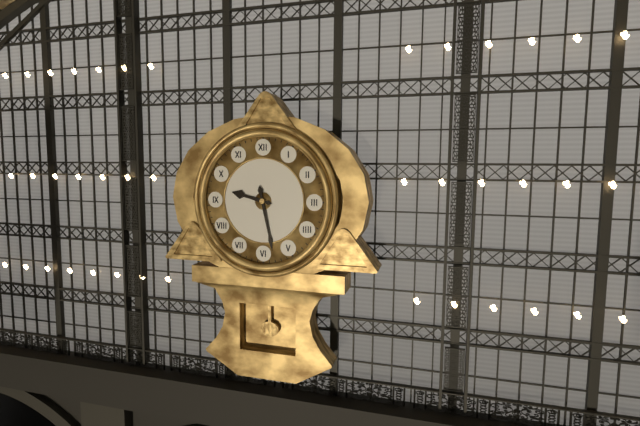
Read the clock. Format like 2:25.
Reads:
9:28
